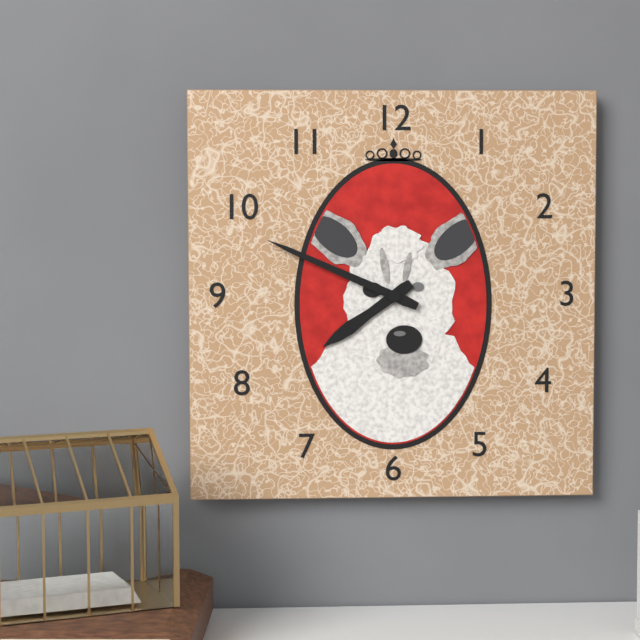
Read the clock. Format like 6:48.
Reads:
7:49
